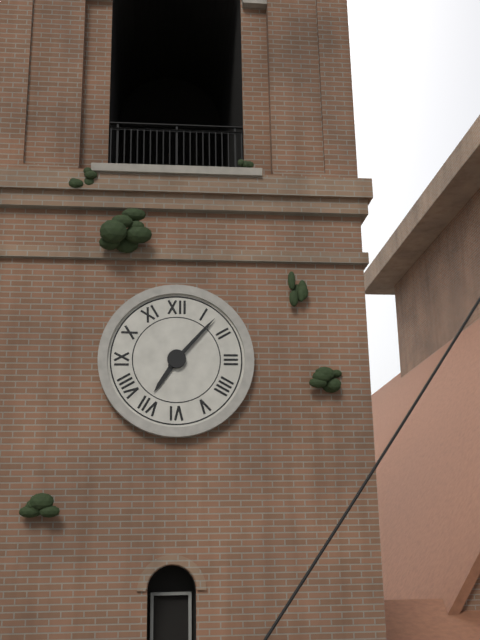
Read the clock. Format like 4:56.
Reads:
7:07
